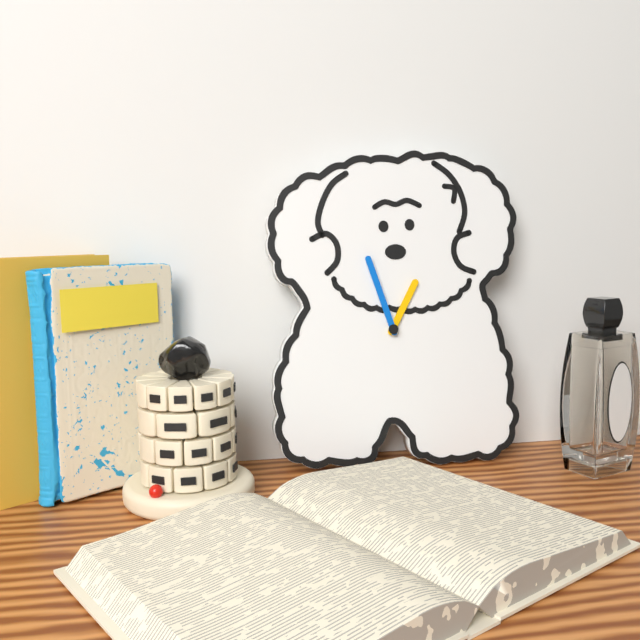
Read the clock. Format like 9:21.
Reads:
12:57
